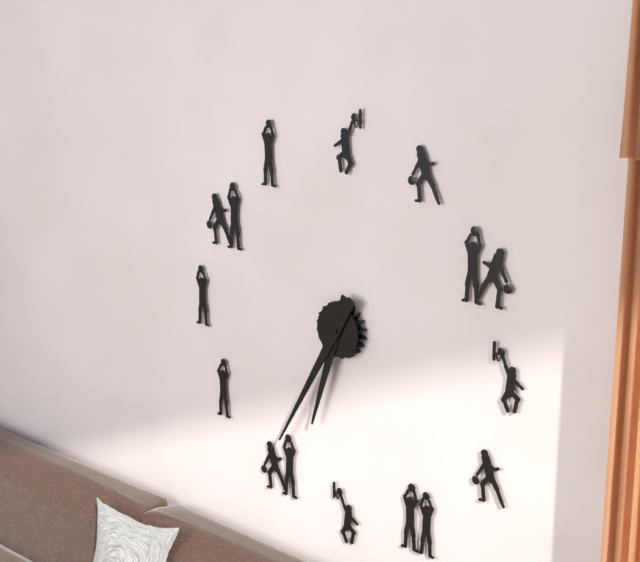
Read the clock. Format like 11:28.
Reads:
6:35
